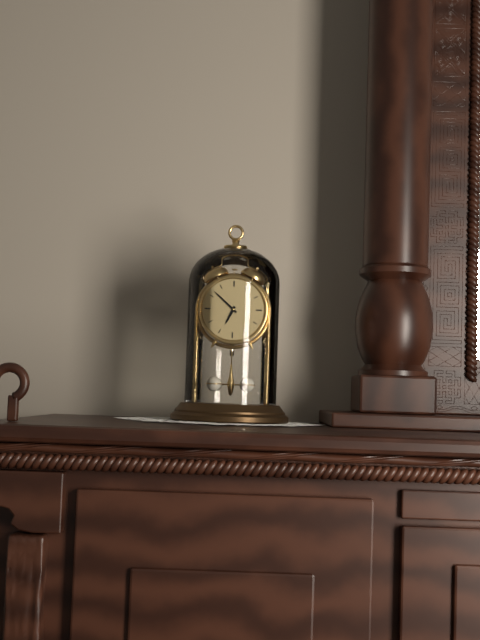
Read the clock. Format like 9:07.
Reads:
6:52
